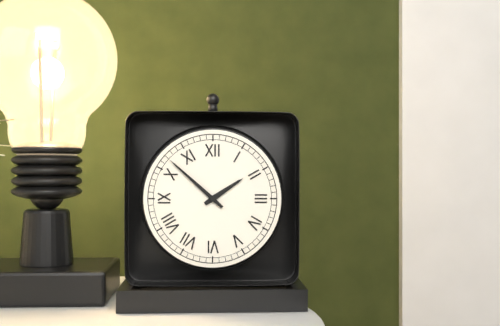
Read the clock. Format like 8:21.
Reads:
1:52
